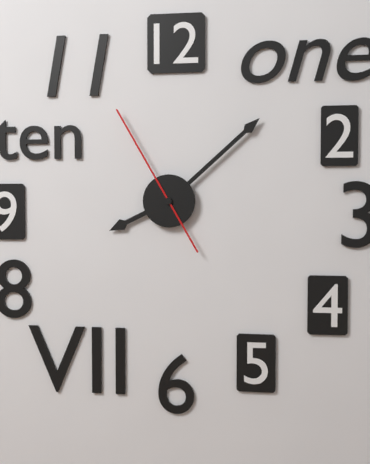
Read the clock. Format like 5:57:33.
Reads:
8:08:55
